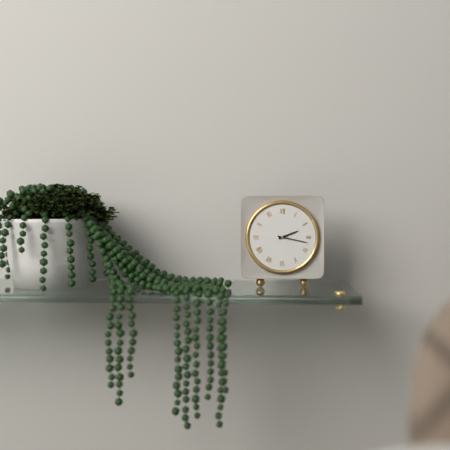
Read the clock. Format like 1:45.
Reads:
2:17
